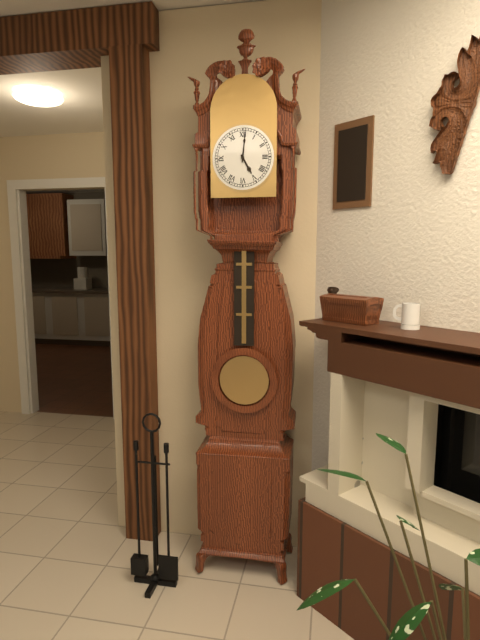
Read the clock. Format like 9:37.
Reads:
5:01
